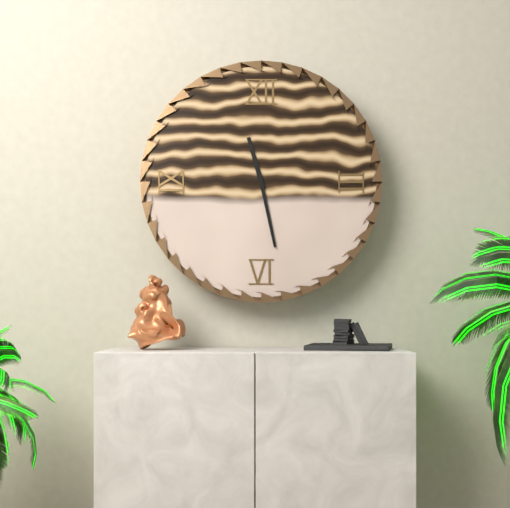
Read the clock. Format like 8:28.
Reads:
11:28
